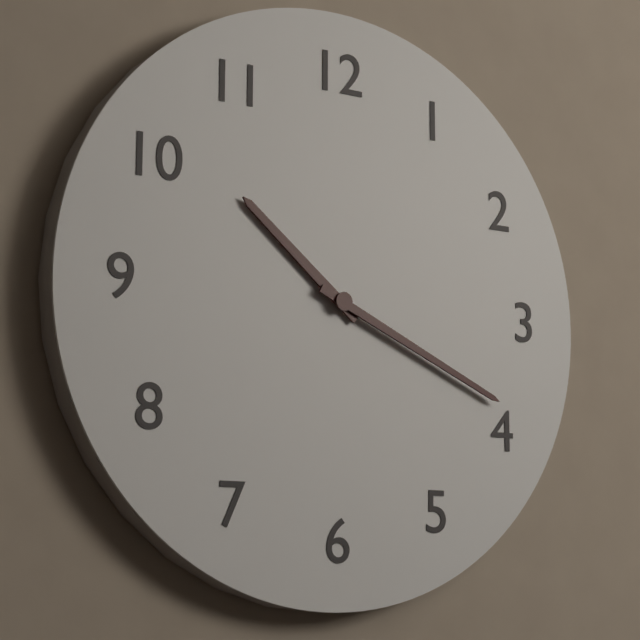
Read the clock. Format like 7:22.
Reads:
10:19
